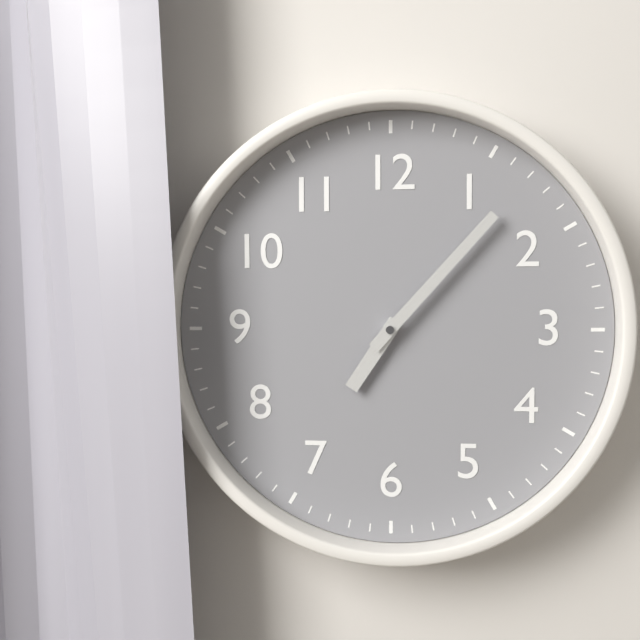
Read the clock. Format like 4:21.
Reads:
7:07
